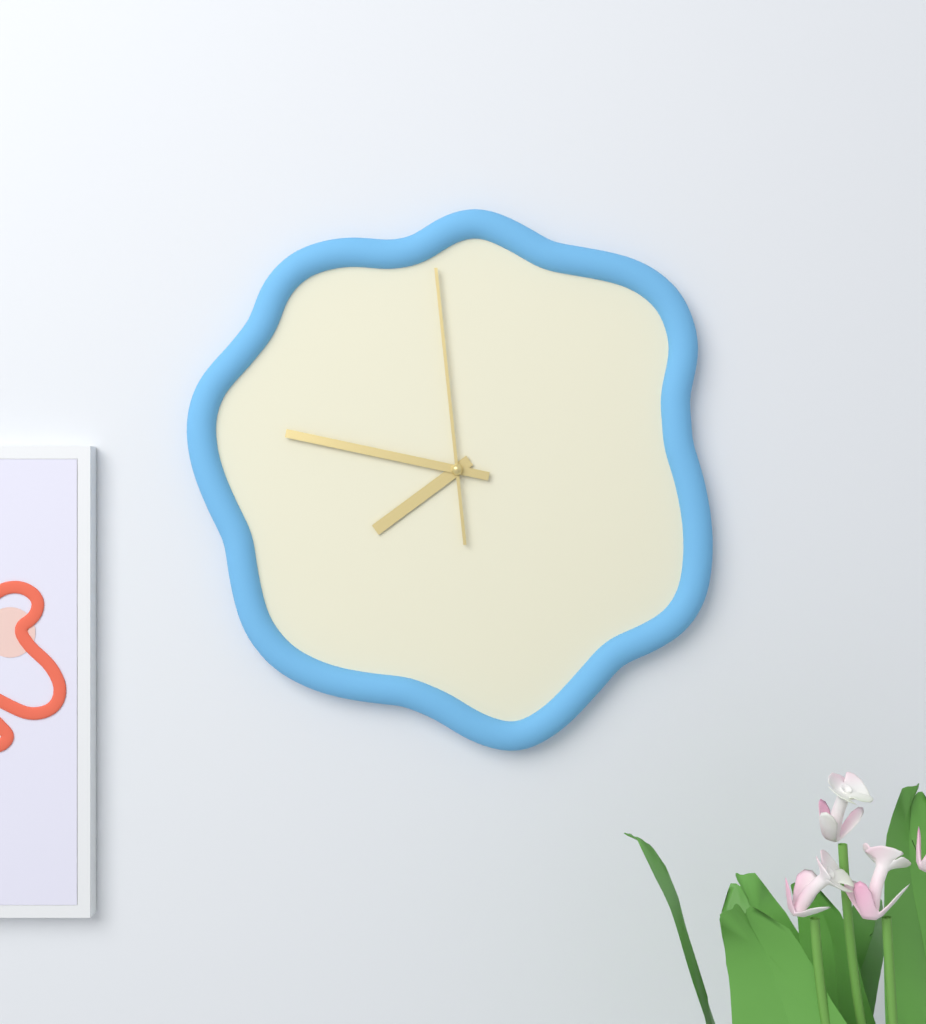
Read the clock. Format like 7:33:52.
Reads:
7:47:59
